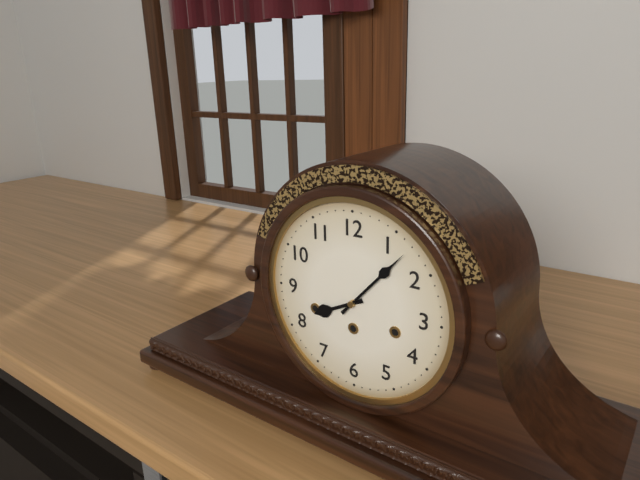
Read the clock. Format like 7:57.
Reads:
8:07
